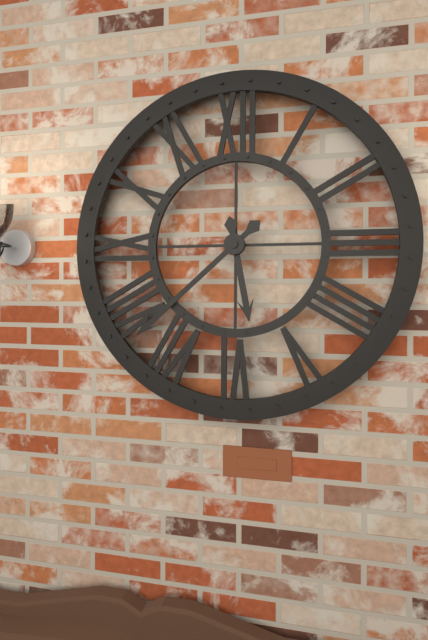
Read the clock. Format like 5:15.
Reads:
5:38
